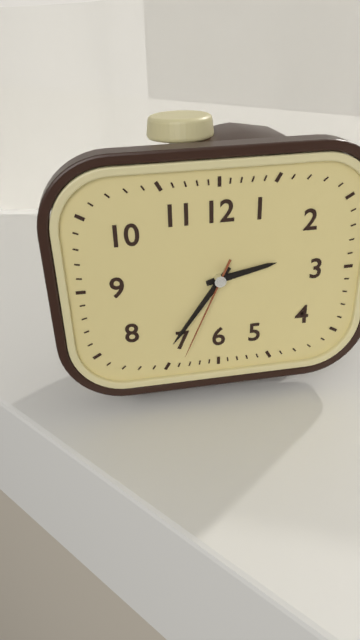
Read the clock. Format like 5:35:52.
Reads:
2:36:34
